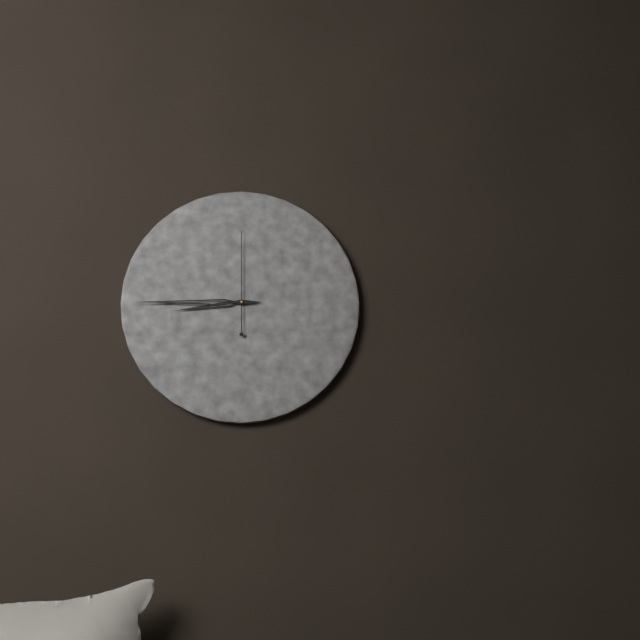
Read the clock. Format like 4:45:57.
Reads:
8:45:00
